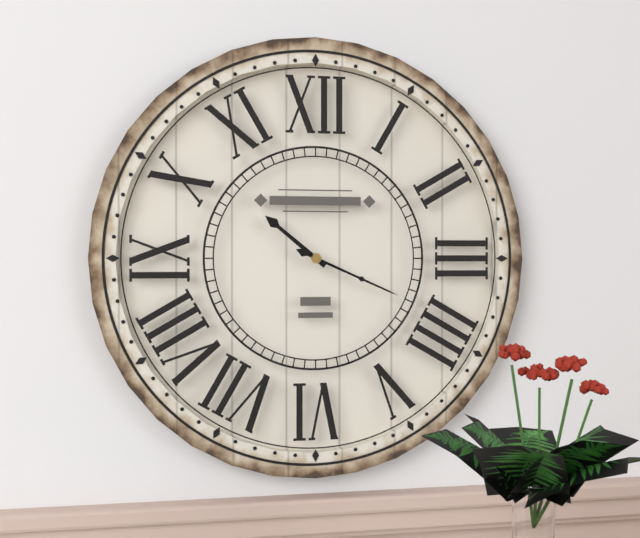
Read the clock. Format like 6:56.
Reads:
10:19
